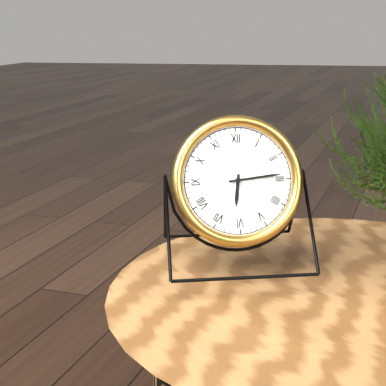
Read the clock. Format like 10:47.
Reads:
6:14
